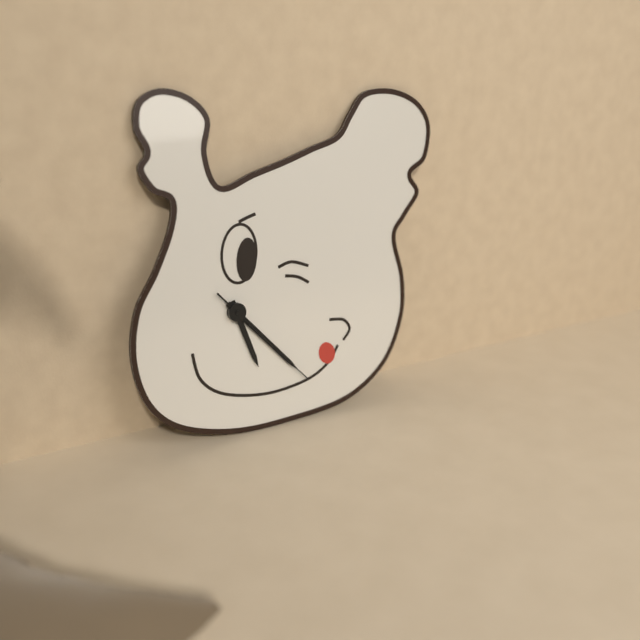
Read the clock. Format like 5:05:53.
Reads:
5:23:23
